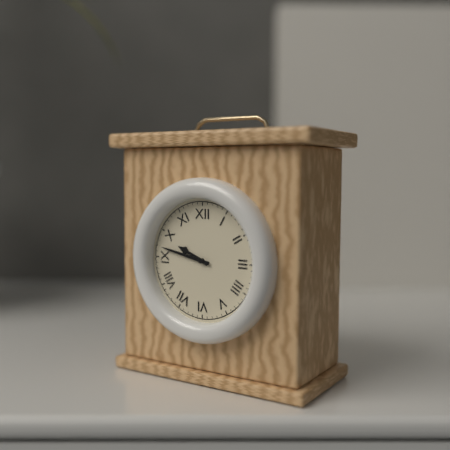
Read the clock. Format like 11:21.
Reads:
9:47
